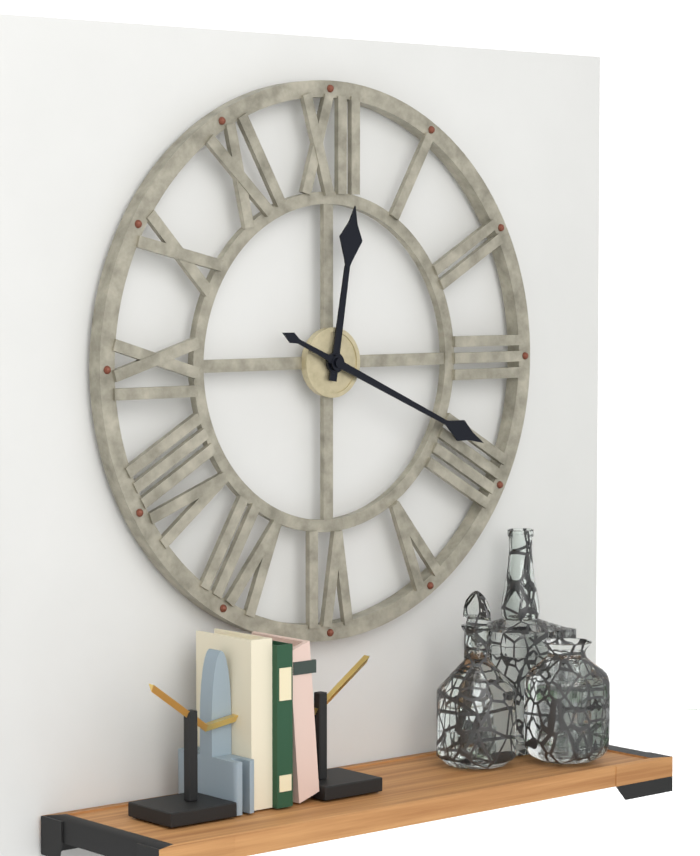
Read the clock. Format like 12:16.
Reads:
12:19
